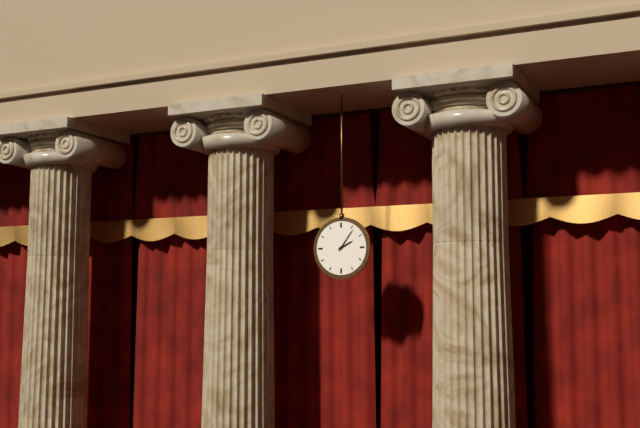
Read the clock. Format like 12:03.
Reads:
2:06
